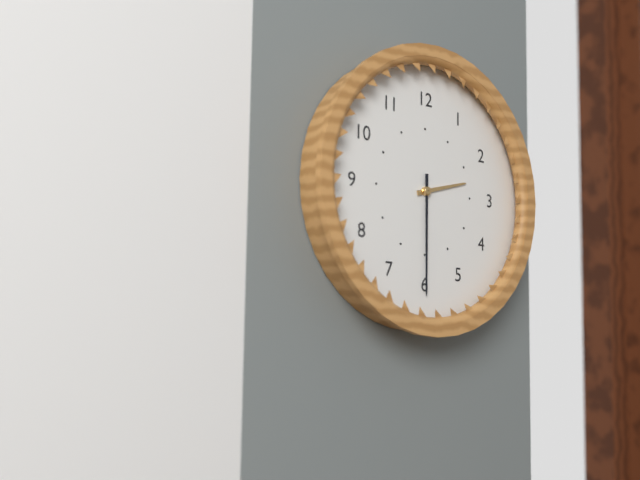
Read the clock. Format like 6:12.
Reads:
2:30
